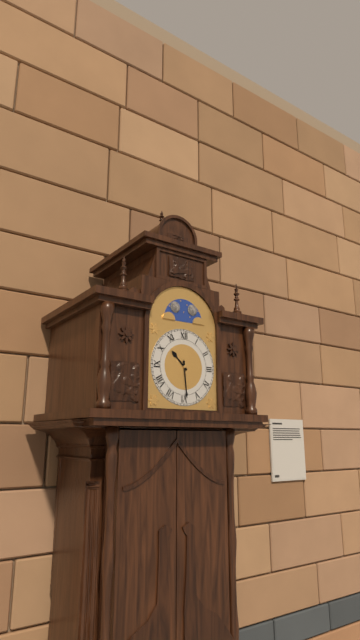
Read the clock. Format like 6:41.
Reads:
10:29
